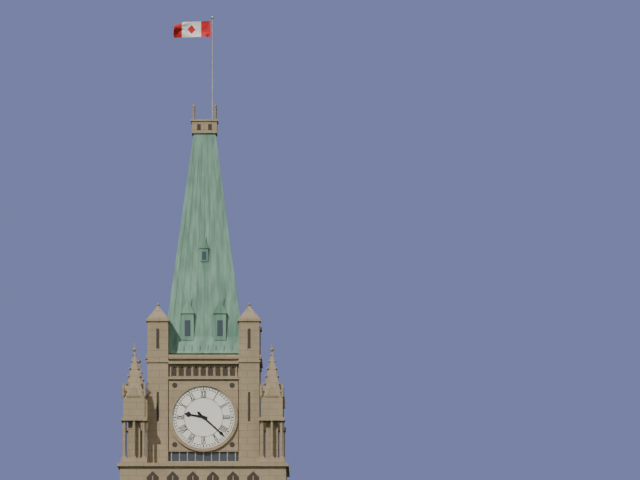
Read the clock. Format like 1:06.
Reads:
9:22
